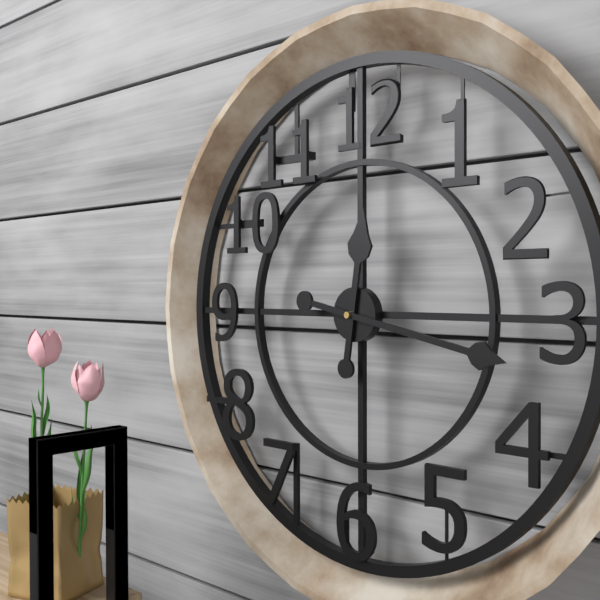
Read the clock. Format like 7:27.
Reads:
12:17
